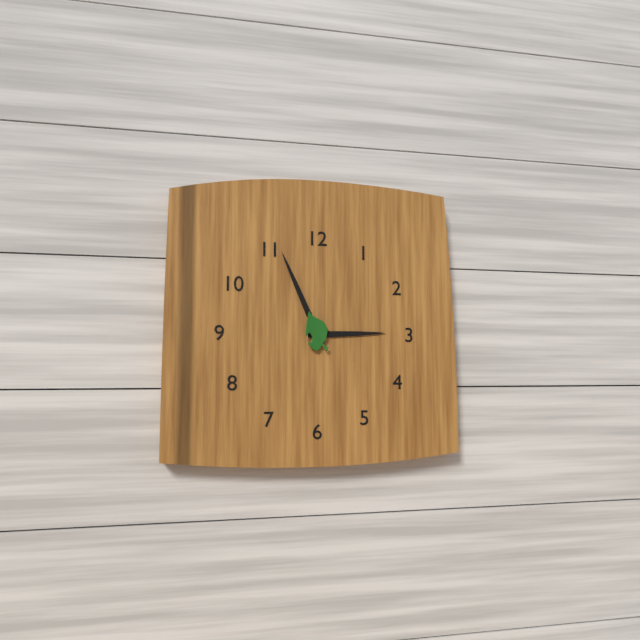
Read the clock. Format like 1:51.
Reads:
2:56
